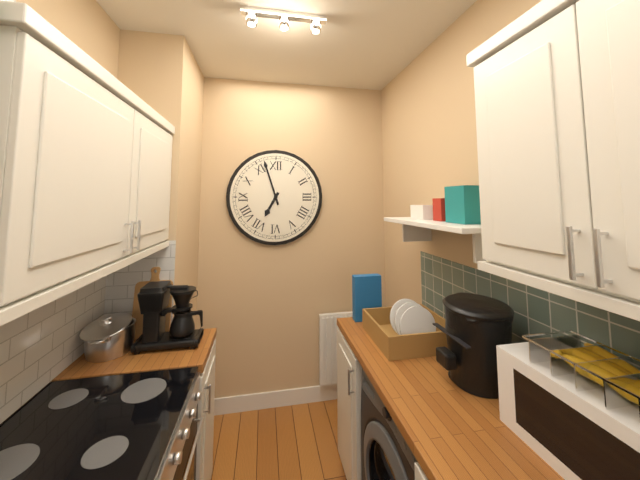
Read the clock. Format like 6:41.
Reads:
6:57
